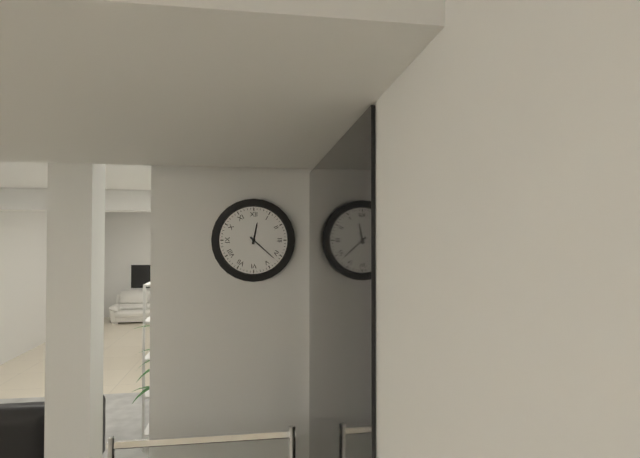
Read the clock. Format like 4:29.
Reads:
12:22
